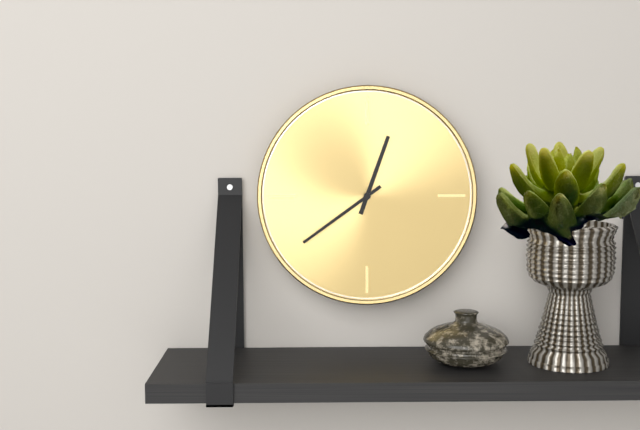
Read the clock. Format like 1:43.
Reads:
12:39
